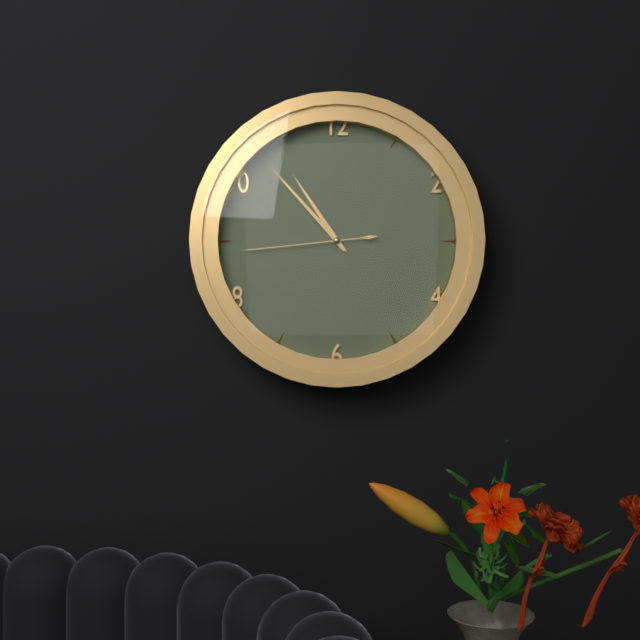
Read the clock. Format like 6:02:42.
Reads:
10:53:44
